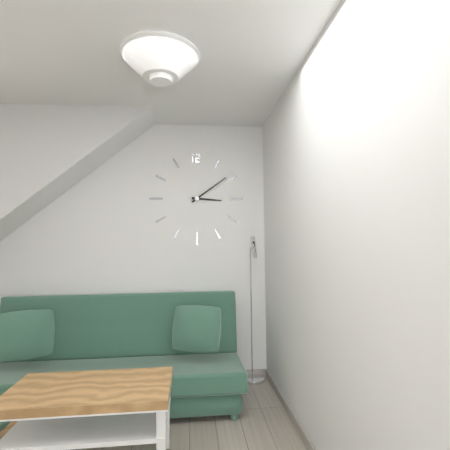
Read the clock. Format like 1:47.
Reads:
3:09
